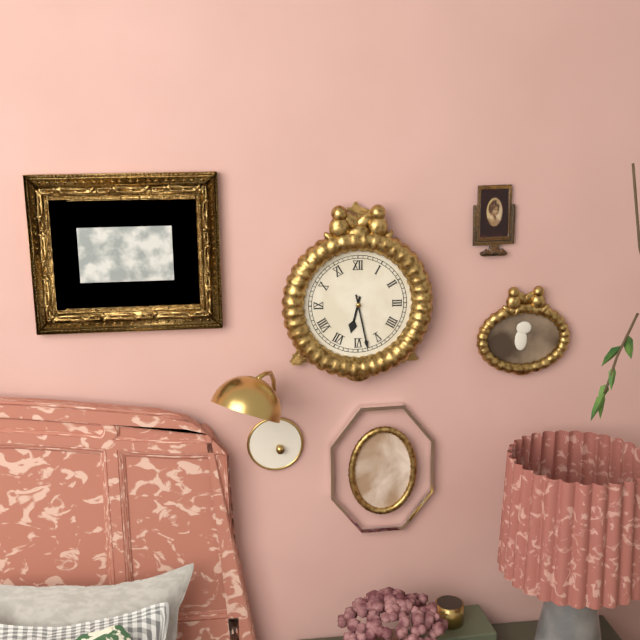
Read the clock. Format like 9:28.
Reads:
6:28
